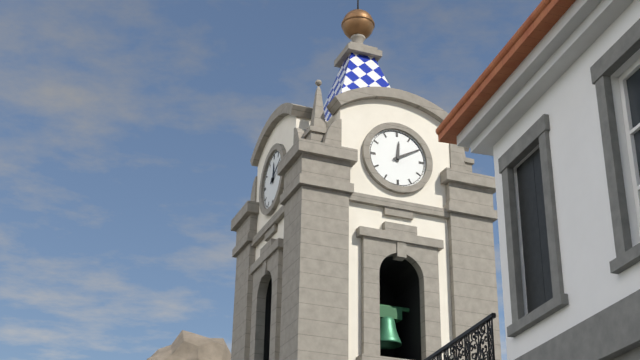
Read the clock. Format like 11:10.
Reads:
12:10
